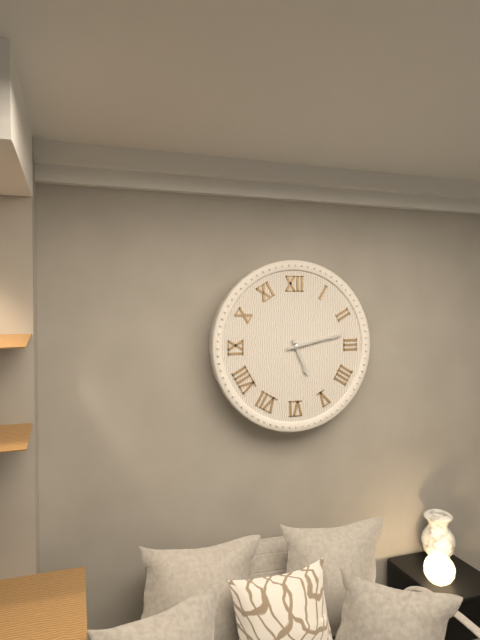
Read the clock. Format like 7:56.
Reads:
5:13
